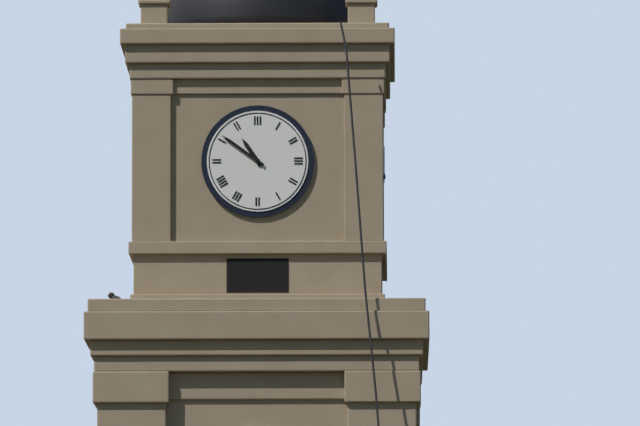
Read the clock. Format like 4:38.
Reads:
10:51
